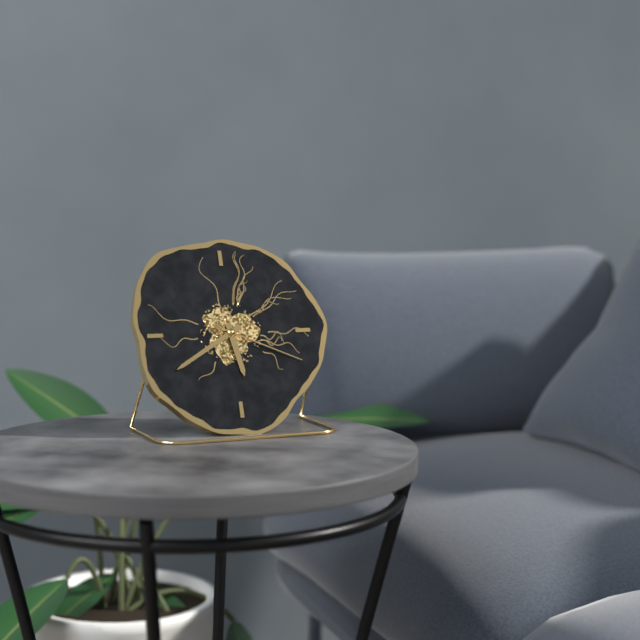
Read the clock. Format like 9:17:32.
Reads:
5:40:19
